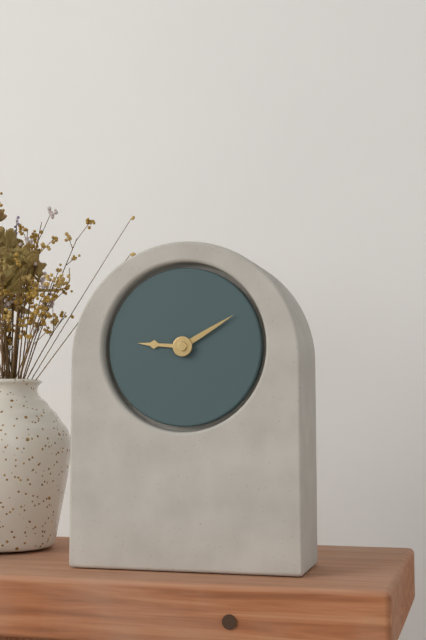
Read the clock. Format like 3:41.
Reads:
9:10
